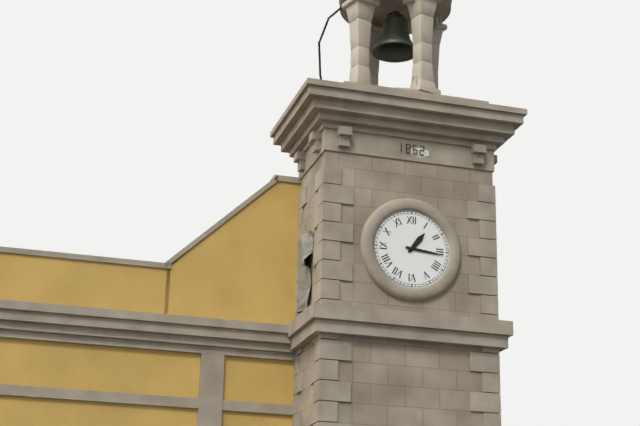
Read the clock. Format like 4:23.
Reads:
1:16
